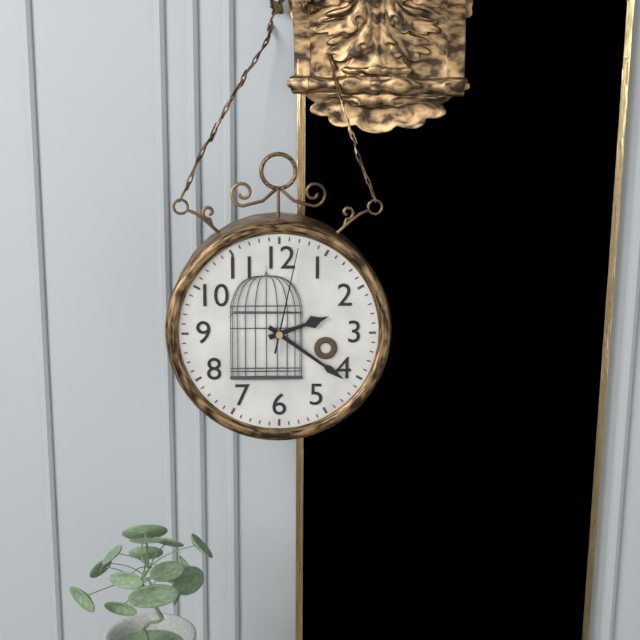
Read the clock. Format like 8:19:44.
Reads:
2:21:02
